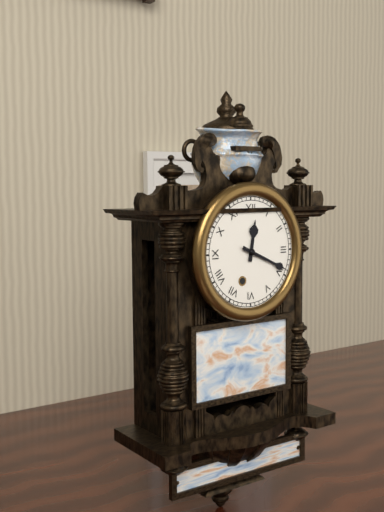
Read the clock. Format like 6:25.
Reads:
12:19
